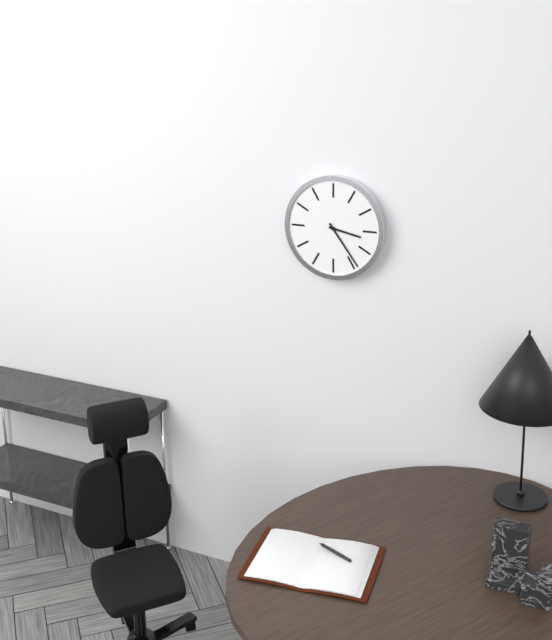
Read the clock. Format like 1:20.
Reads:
3:24
